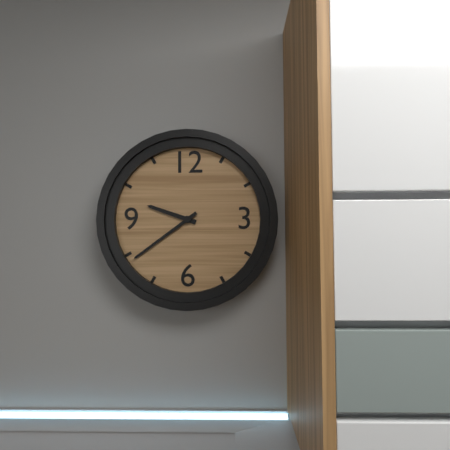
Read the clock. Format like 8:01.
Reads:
9:39
